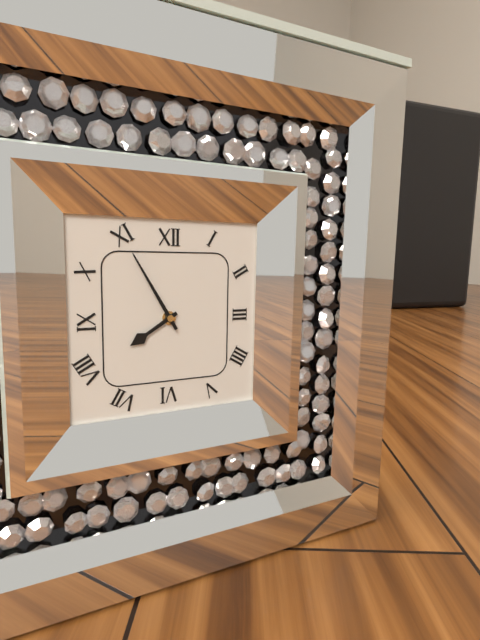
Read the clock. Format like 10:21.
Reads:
7:55
